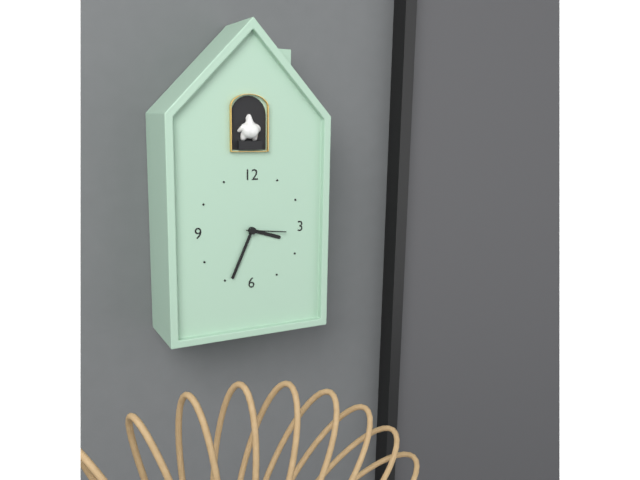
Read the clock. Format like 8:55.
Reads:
3:34
